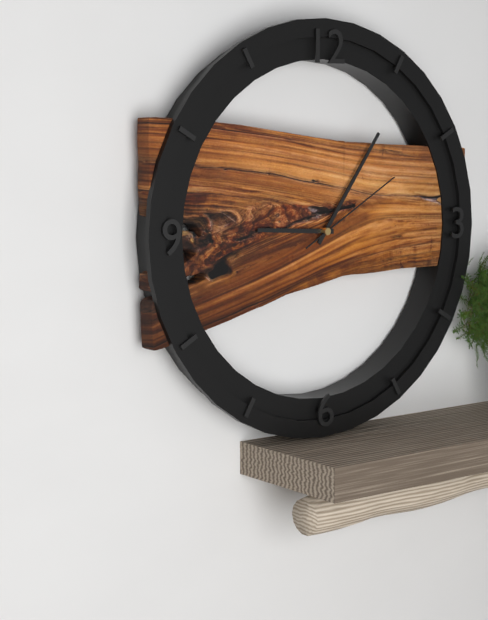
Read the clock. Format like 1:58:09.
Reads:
9:06:10
